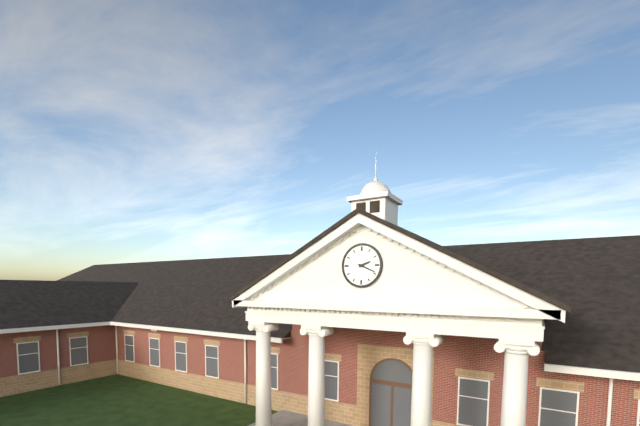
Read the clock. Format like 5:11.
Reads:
2:19
